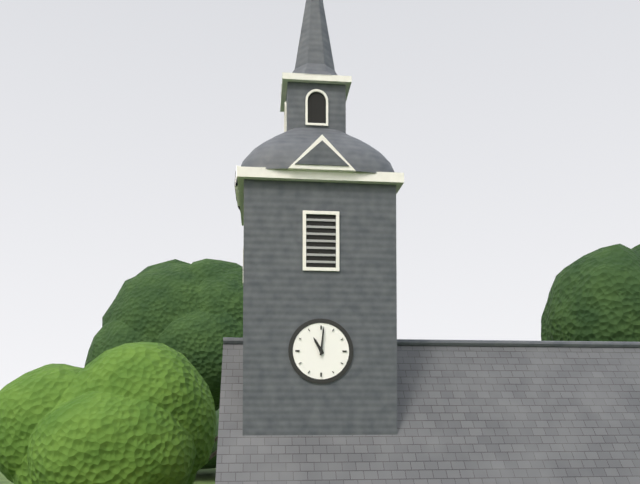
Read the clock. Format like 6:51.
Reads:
11:01
